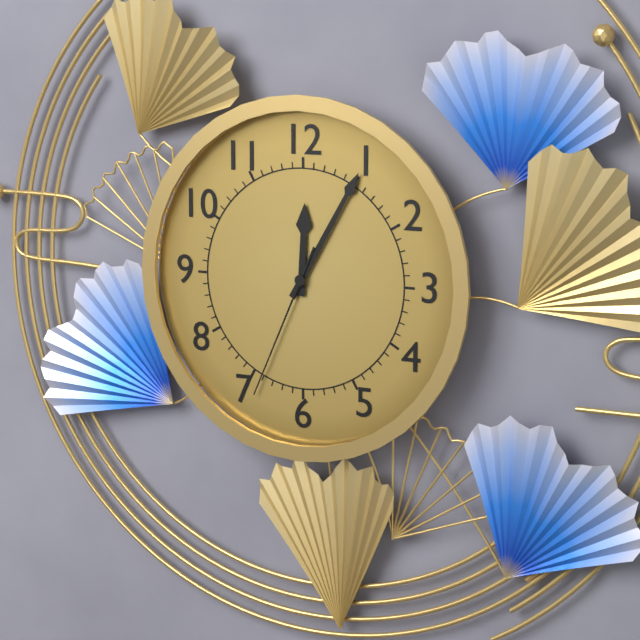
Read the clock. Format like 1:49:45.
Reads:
12:05:34
